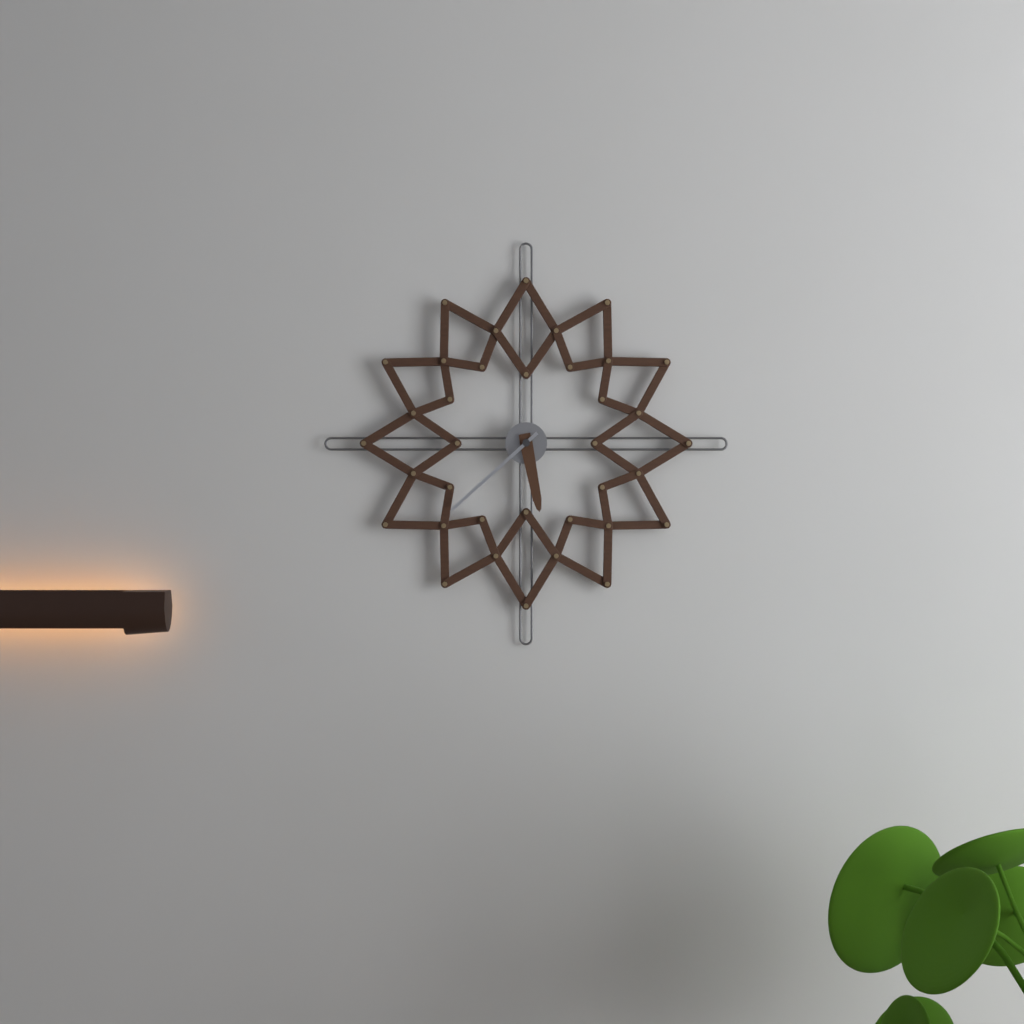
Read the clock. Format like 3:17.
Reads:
5:38
